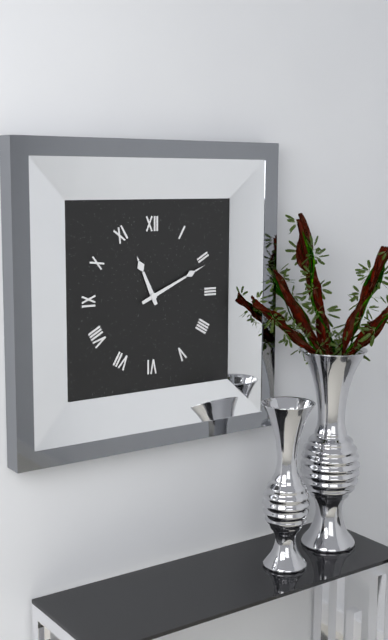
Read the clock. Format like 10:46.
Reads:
11:11
